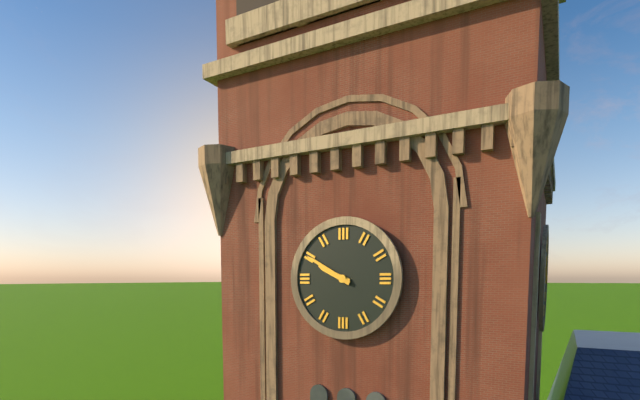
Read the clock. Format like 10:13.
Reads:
9:50
